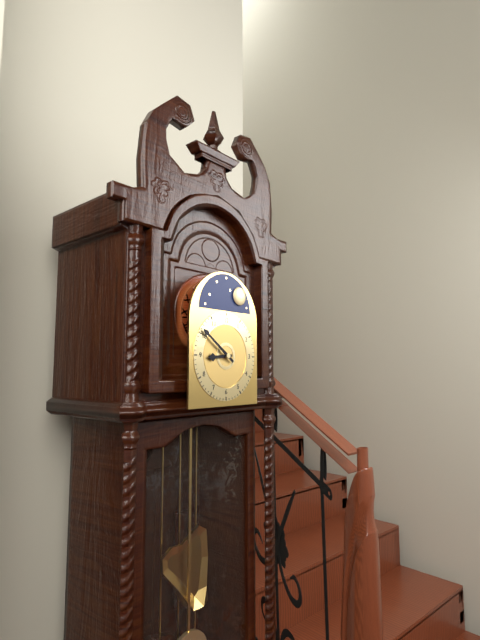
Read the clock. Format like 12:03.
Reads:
8:51
